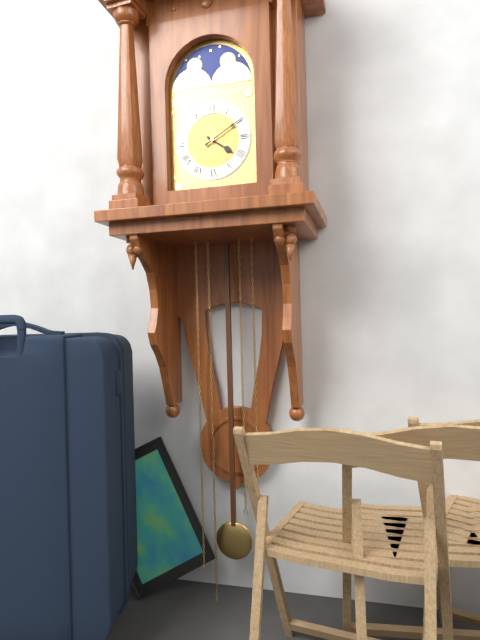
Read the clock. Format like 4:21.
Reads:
4:10
